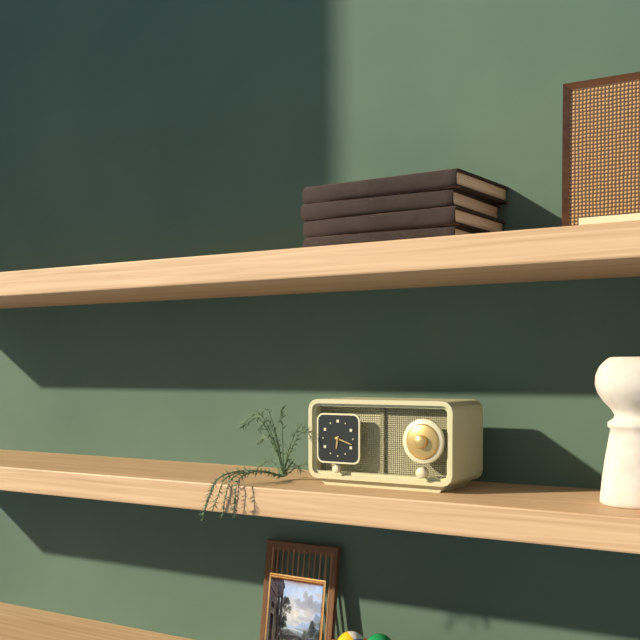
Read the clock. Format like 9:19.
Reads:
6:18
